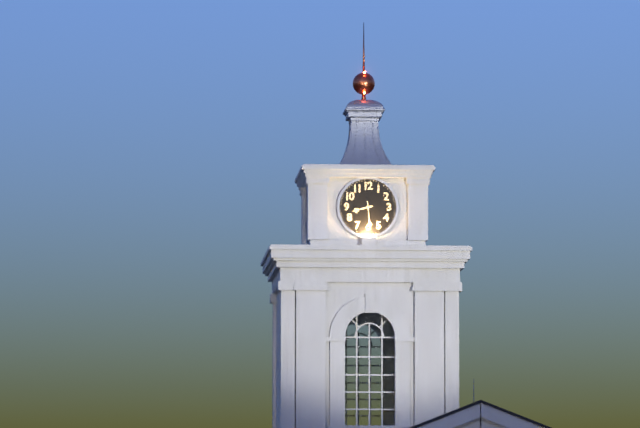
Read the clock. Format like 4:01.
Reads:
8:29
